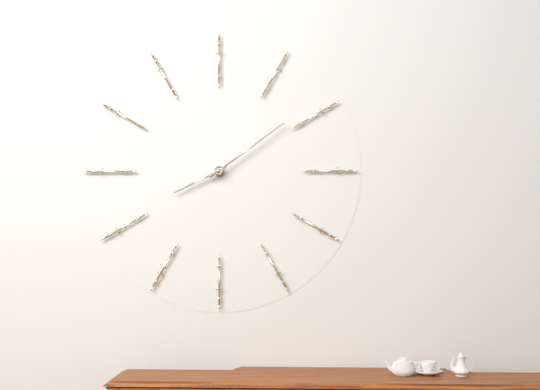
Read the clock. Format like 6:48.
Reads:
8:09
